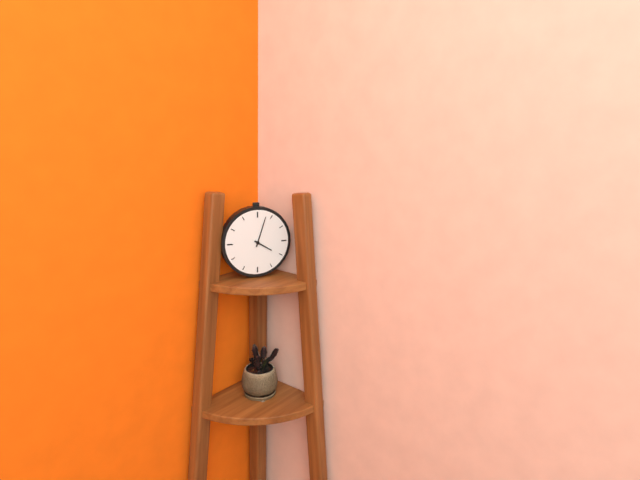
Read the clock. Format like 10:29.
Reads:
4:03
